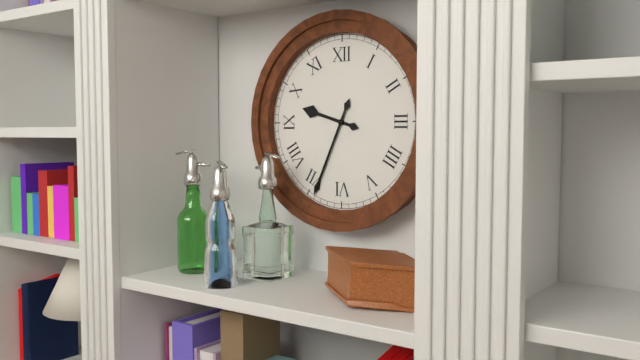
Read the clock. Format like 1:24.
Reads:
9:34
